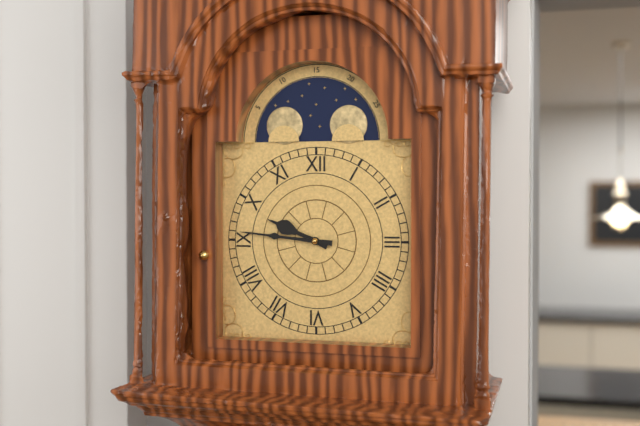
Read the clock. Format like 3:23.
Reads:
9:46
